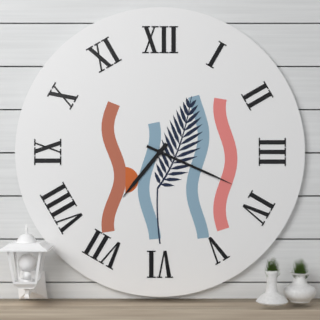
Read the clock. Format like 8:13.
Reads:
7:19
